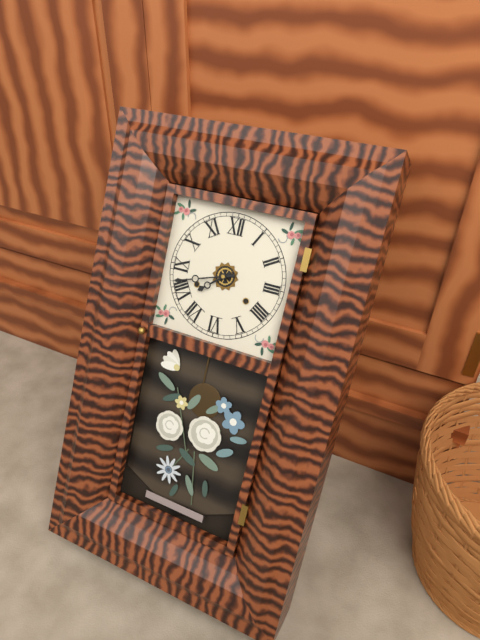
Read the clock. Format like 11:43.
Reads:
7:42
